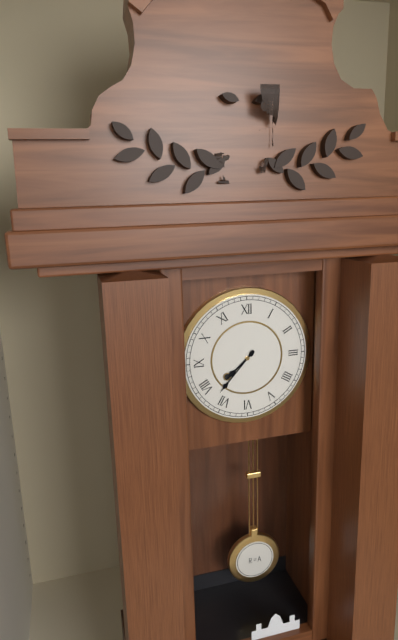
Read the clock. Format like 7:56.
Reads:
7:37
